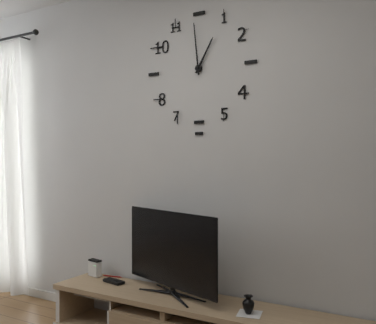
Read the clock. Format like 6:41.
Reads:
12:59
